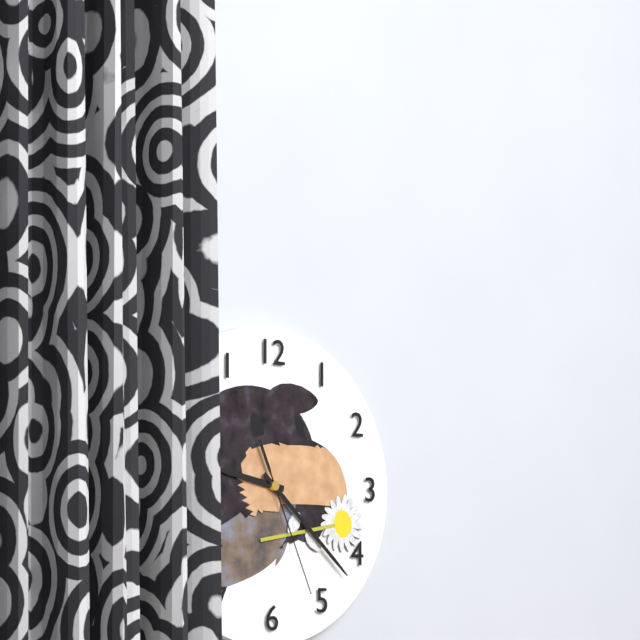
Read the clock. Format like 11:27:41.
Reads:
9:22:26
